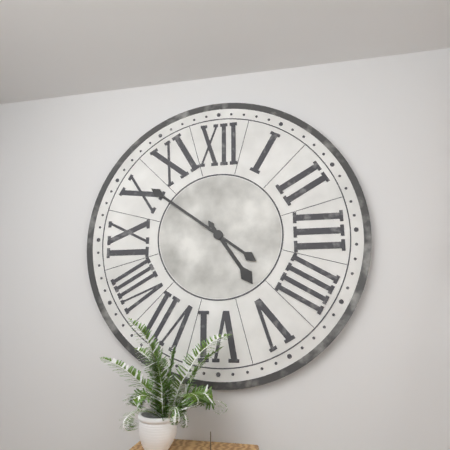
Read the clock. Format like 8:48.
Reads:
4:51
